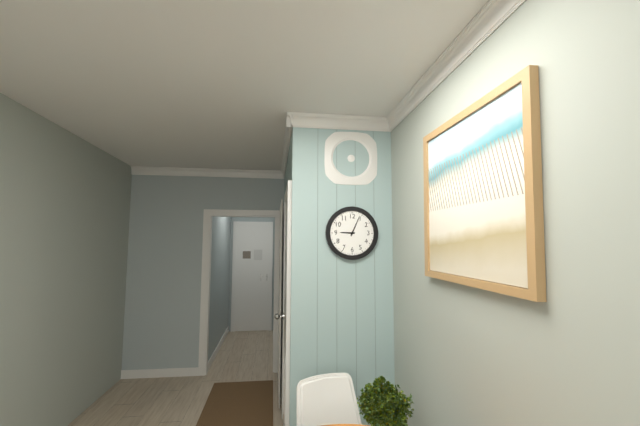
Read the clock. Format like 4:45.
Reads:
9:04
